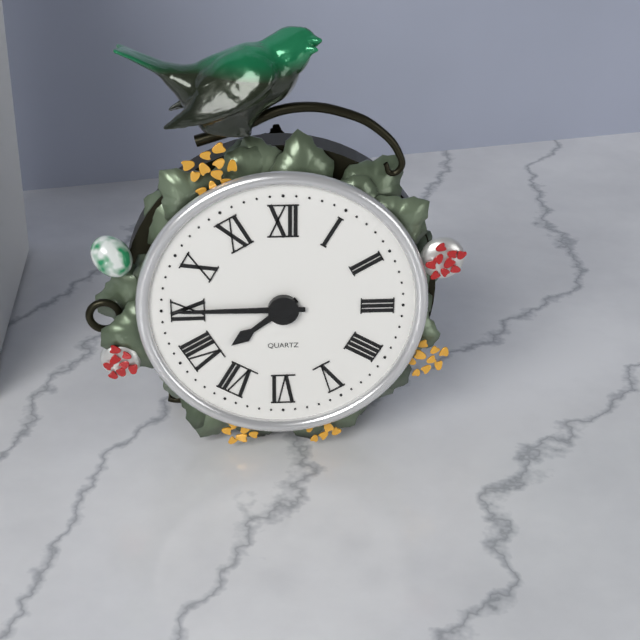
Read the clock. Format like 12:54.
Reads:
7:45
